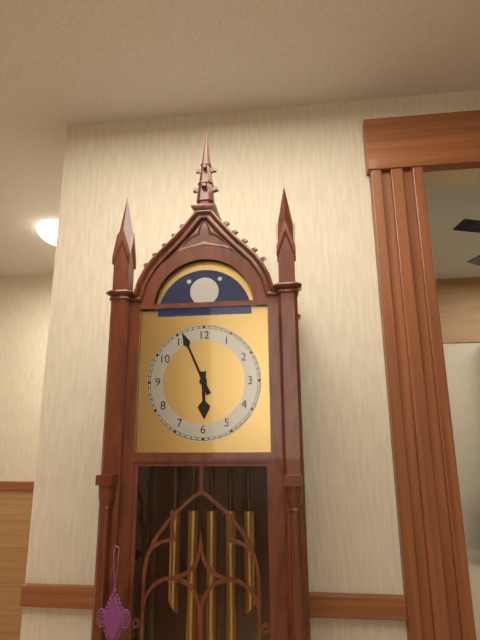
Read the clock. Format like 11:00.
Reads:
5:56
